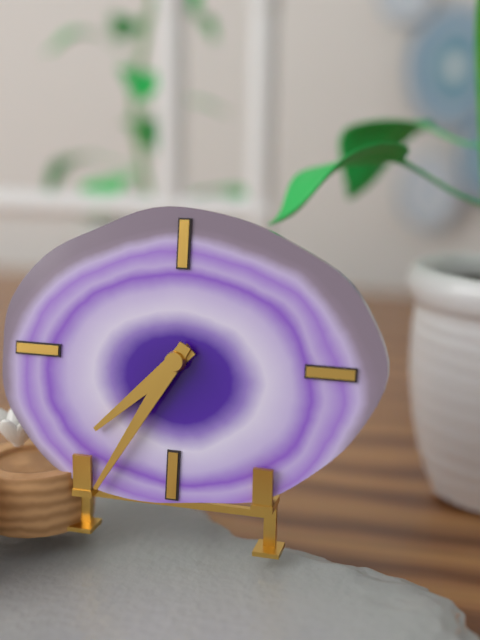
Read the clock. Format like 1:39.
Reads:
7:35
